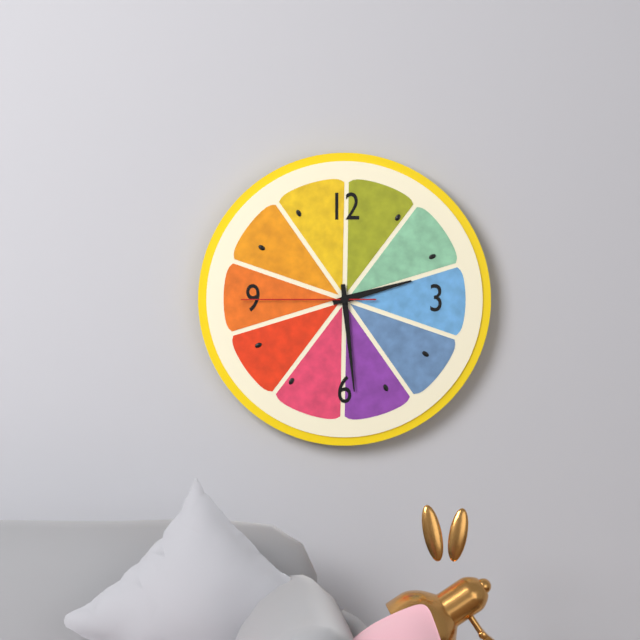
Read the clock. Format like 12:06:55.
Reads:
2:29:45
